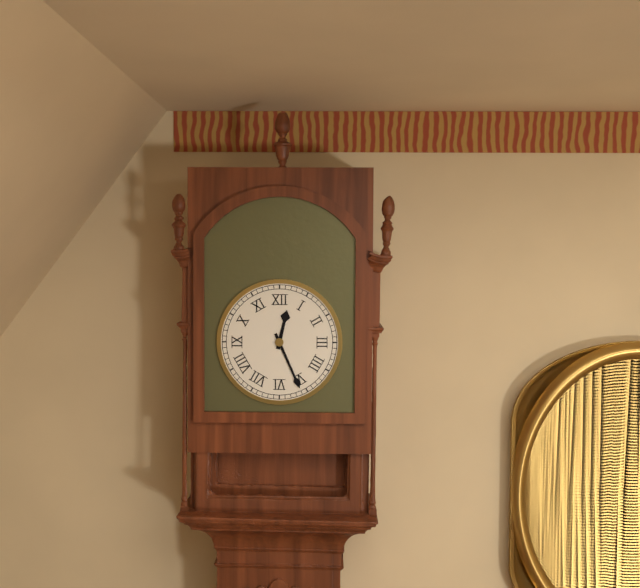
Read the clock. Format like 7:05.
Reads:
12:26
